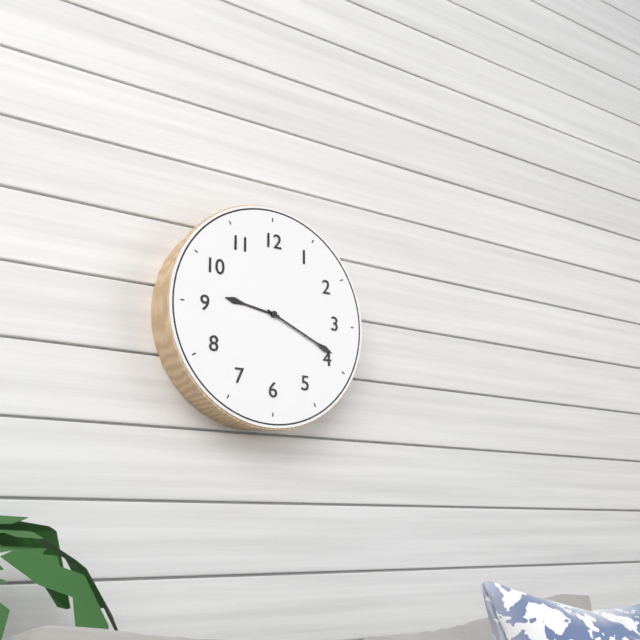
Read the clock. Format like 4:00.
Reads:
9:19
